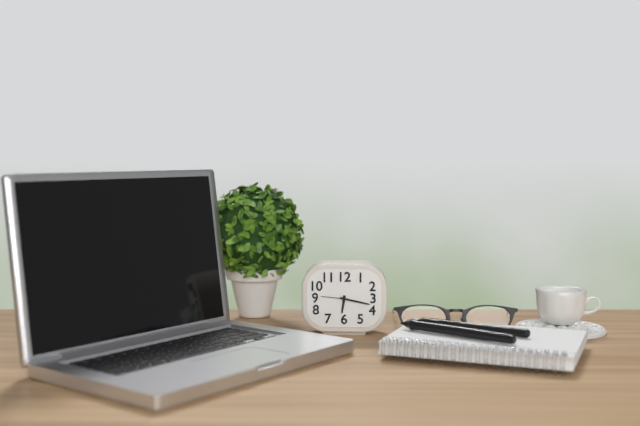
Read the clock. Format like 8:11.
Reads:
6:17
